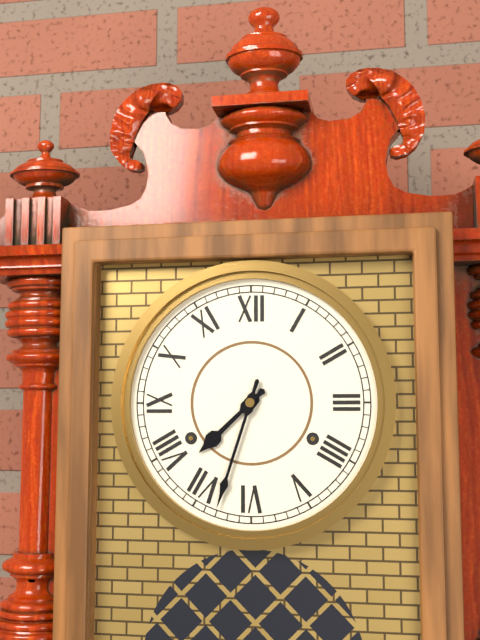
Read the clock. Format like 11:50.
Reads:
7:33
